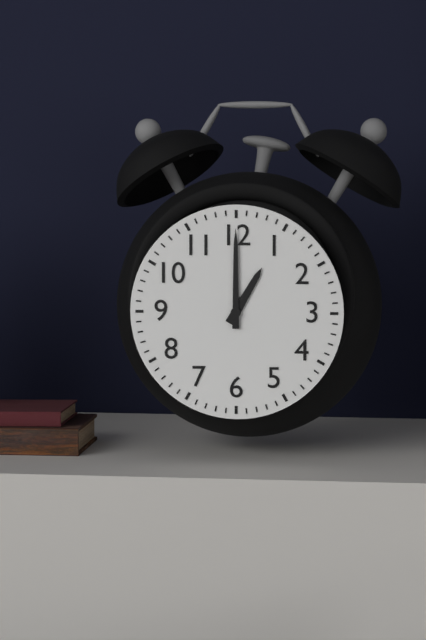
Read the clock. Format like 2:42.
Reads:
1:00
